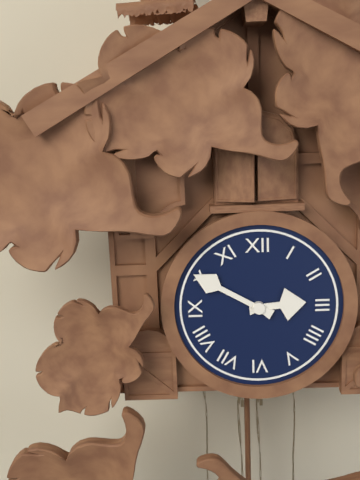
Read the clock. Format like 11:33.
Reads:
2:50
